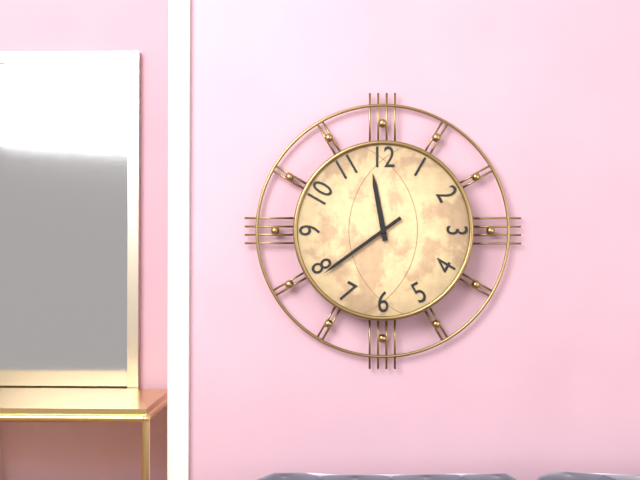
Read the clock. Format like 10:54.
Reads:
11:39
